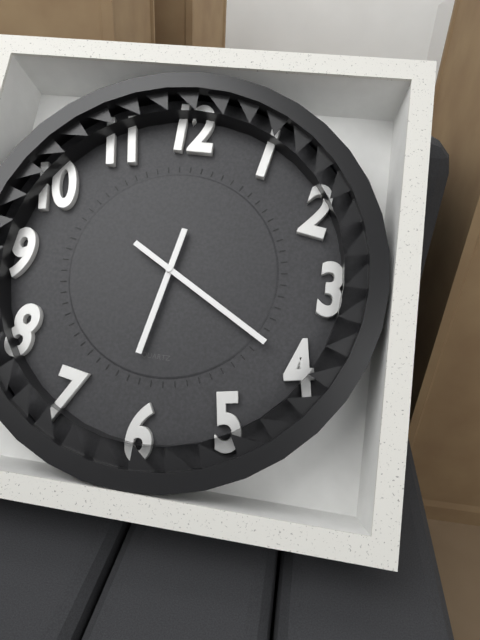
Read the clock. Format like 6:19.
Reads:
6:20
